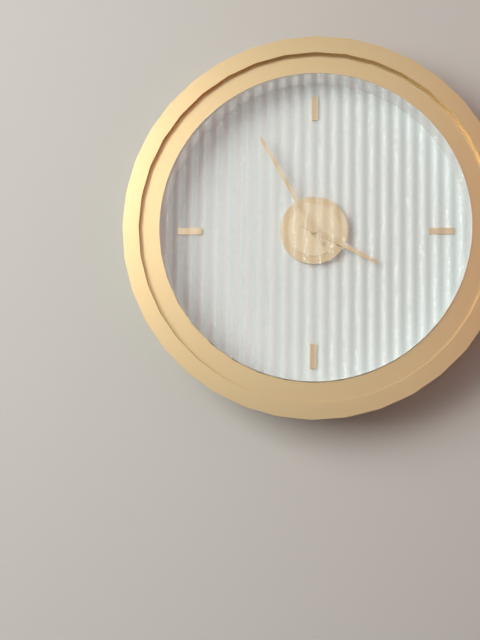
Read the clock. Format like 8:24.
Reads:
3:55
